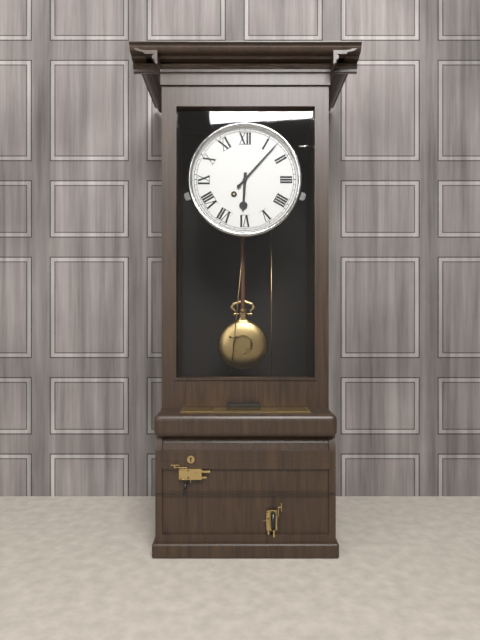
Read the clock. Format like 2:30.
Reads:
6:07
